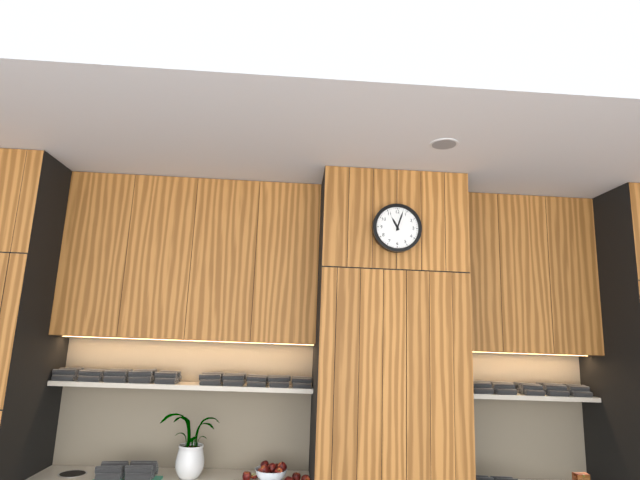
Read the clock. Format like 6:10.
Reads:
11:03
